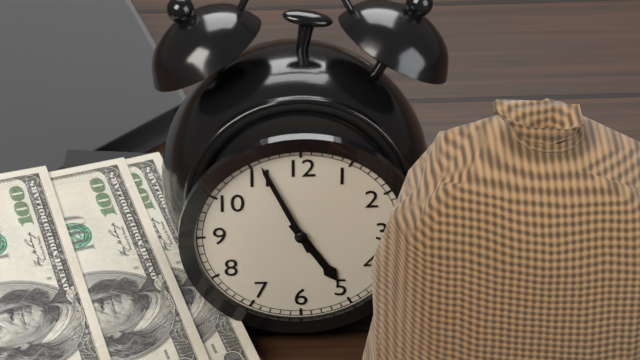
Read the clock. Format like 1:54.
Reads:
4:56
